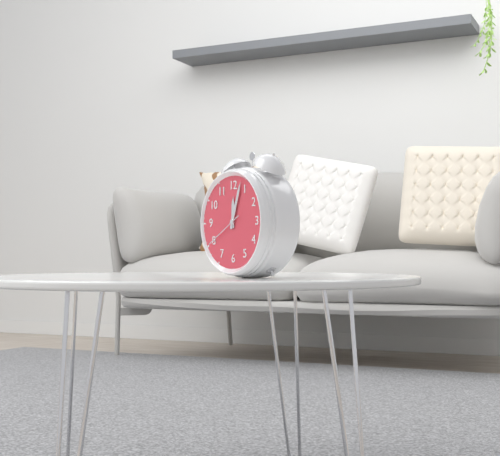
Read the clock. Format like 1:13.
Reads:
12:03
